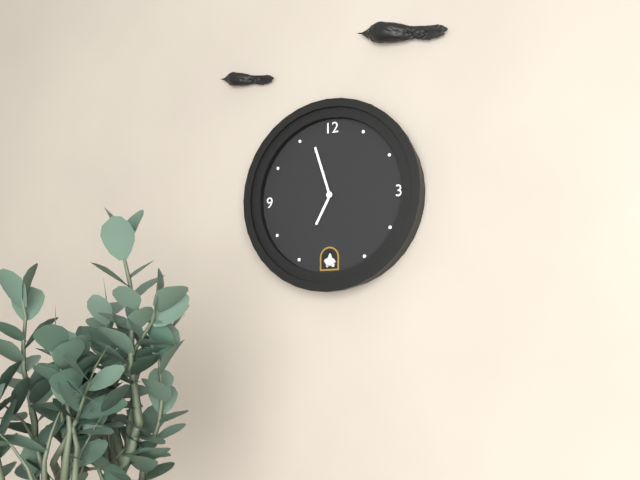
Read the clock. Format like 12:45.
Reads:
6:57
